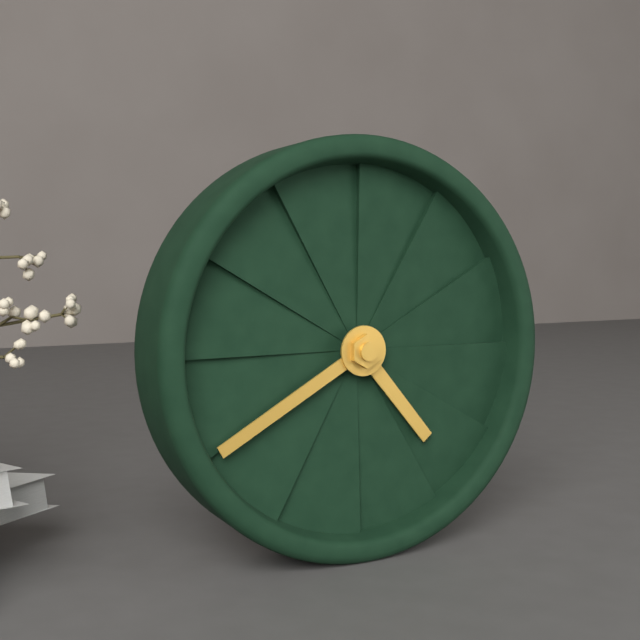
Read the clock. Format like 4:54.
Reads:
4:40
